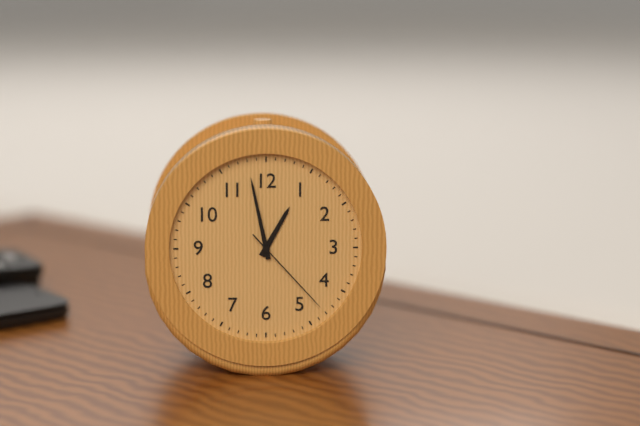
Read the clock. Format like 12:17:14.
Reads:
12:58:23
